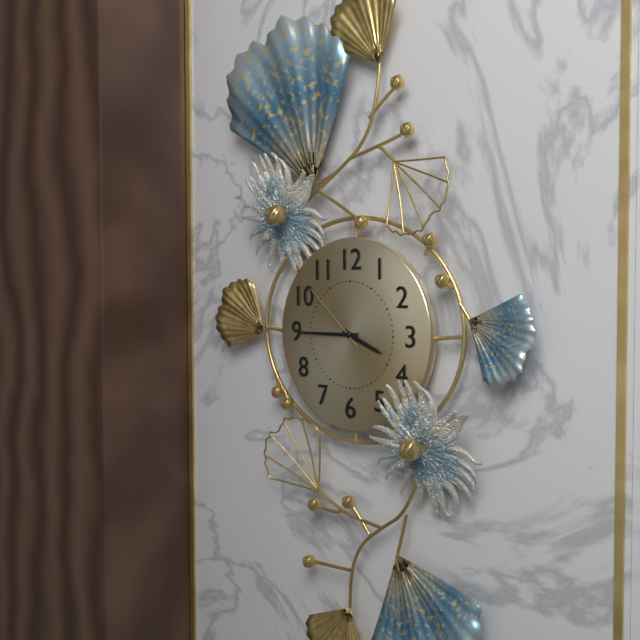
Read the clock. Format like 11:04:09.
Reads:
3:45:52
